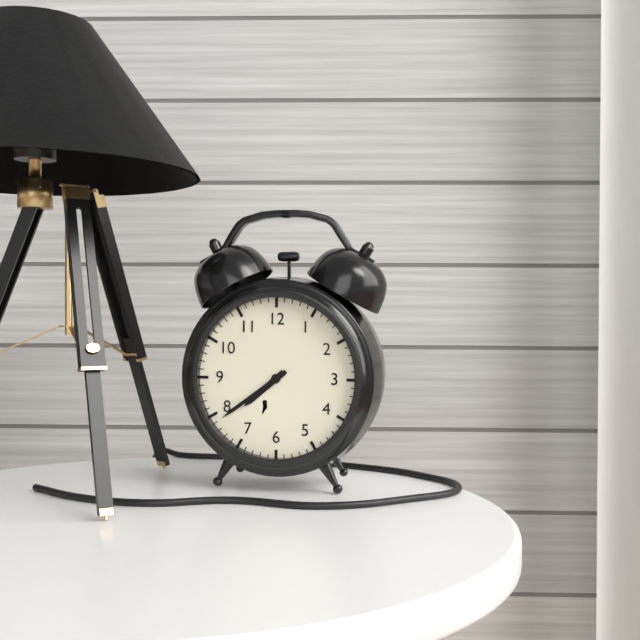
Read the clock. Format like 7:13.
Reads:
7:39
